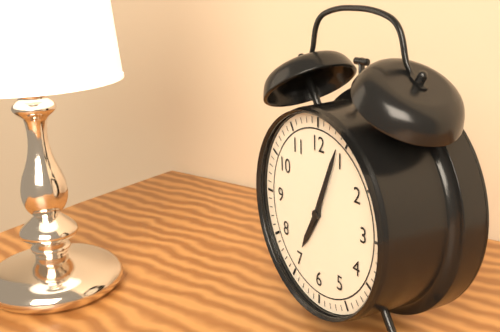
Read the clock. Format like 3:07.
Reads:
7:04
